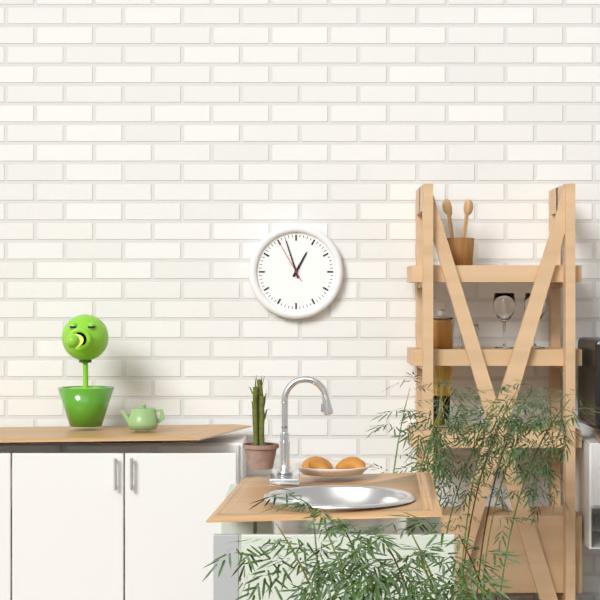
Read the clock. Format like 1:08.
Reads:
12:57
